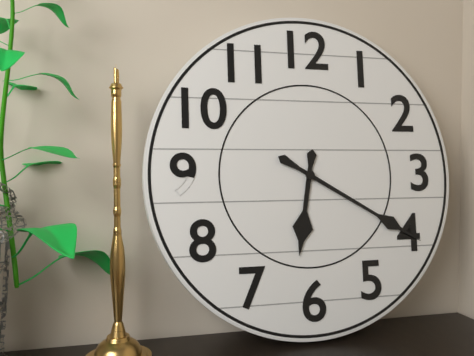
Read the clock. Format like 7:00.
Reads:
6:20
